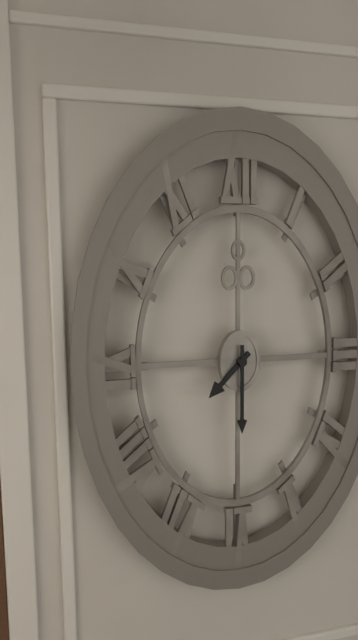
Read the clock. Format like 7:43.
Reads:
7:30
